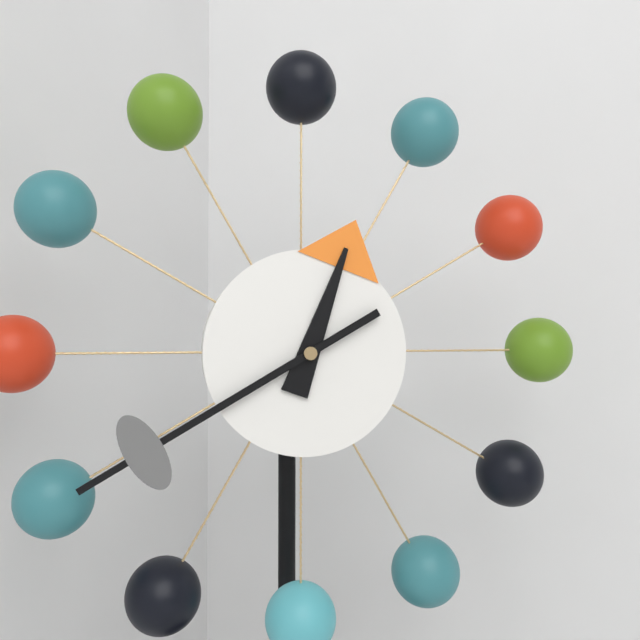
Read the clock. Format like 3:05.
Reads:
12:40
